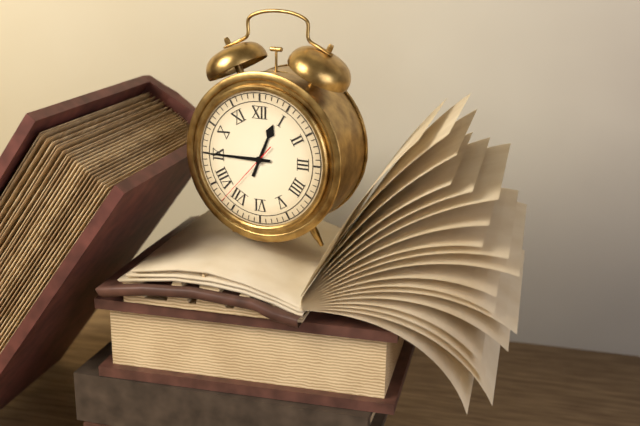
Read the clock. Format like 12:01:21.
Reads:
12:45:37
